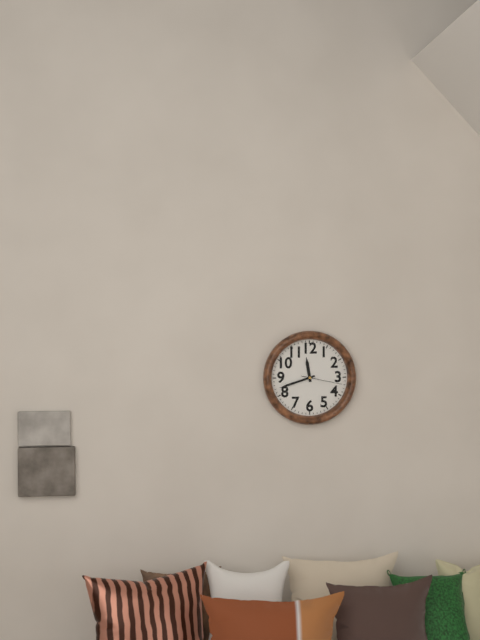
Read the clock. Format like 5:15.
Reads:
11:42
